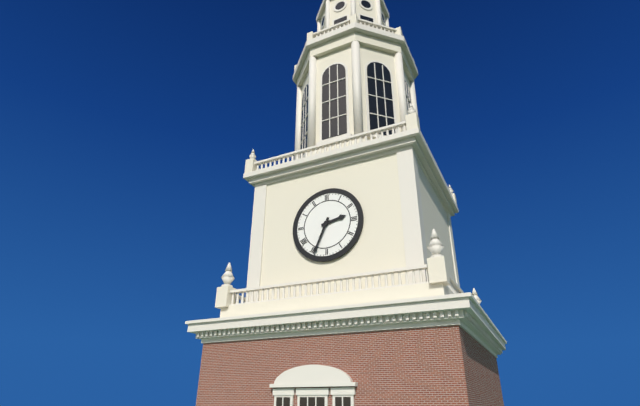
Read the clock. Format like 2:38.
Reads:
2:34
